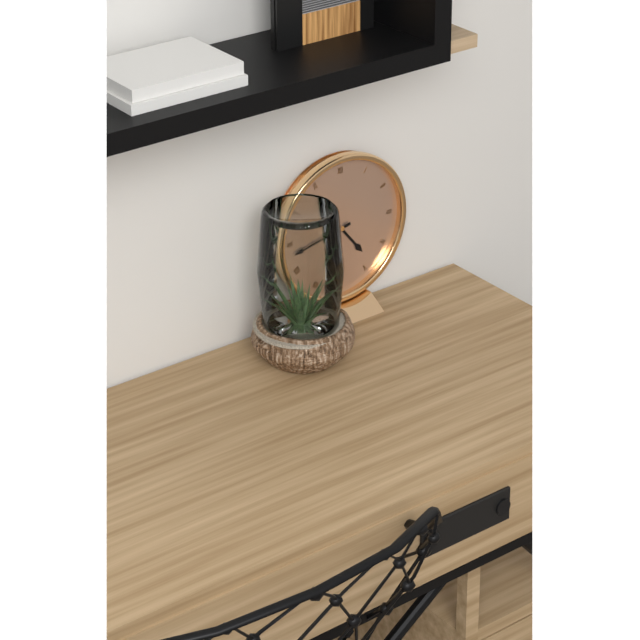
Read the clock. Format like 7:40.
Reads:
4:43
